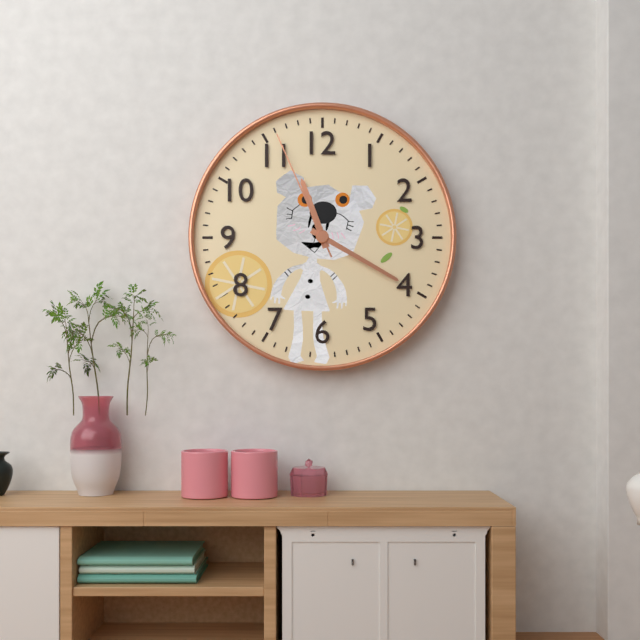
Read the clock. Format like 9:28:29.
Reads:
11:20:56
